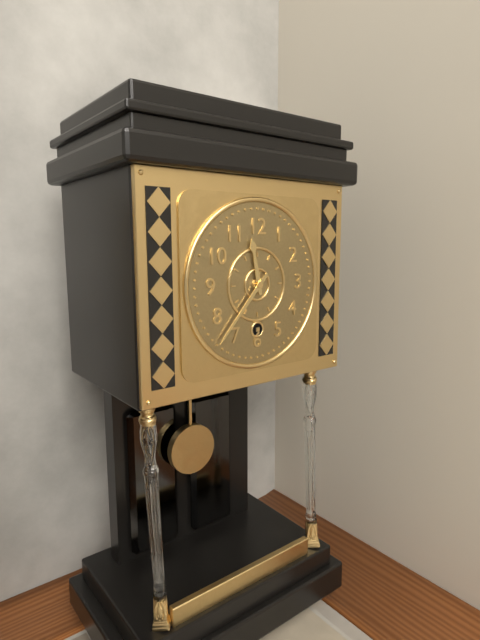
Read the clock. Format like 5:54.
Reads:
11:37
